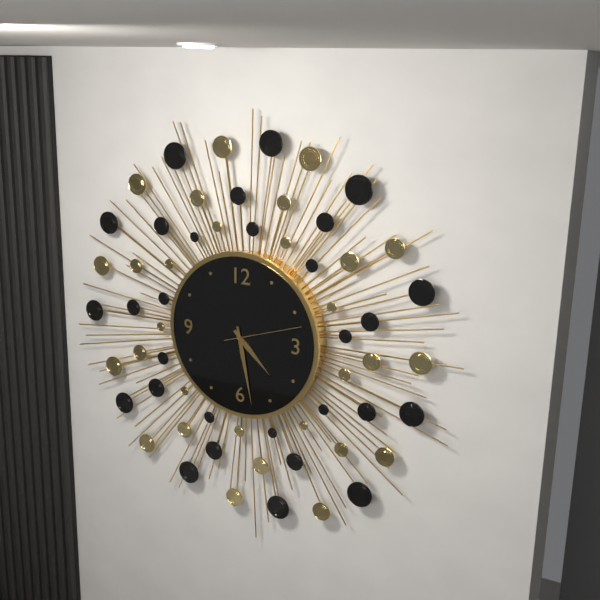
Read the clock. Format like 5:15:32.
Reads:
4:28:12
